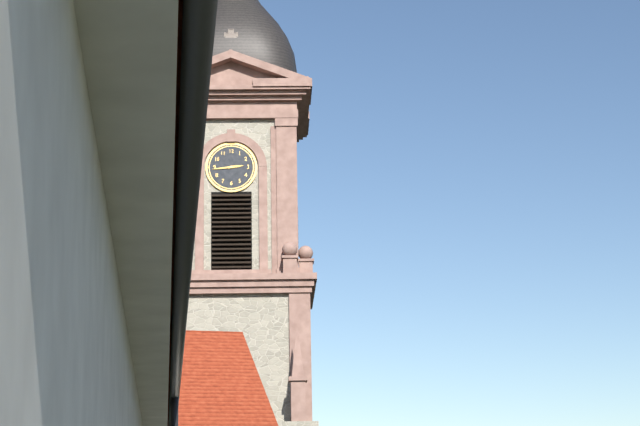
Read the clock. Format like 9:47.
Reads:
2:44
